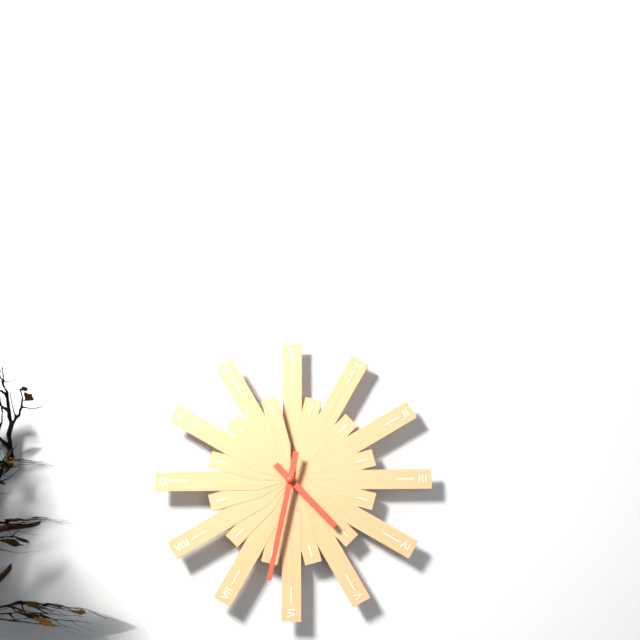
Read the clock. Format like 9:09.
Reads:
4:32
